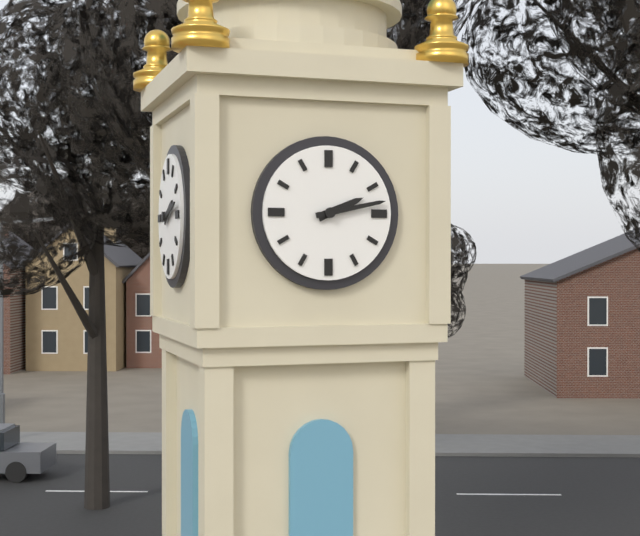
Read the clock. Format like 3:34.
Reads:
2:13
